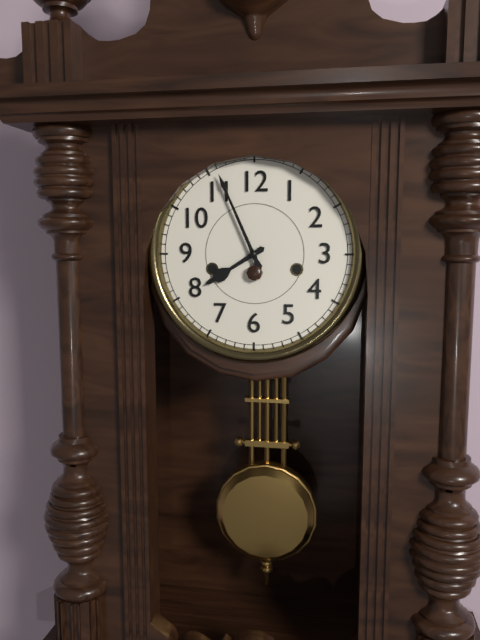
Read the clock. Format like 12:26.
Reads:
7:56
